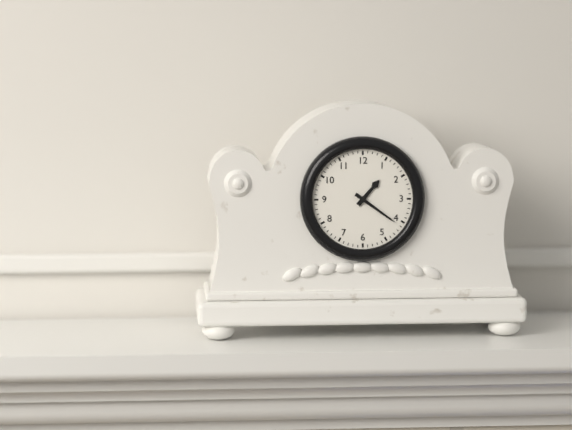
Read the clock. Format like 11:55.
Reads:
1:21
